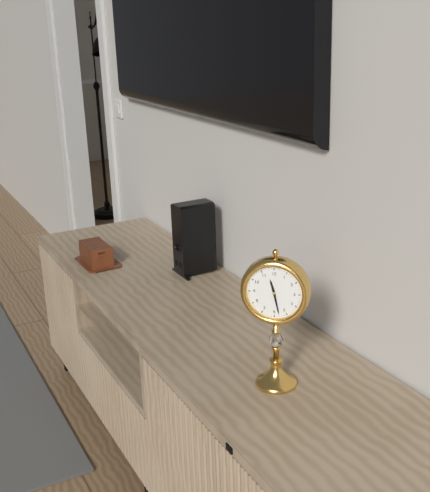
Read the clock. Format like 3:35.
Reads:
11:28
